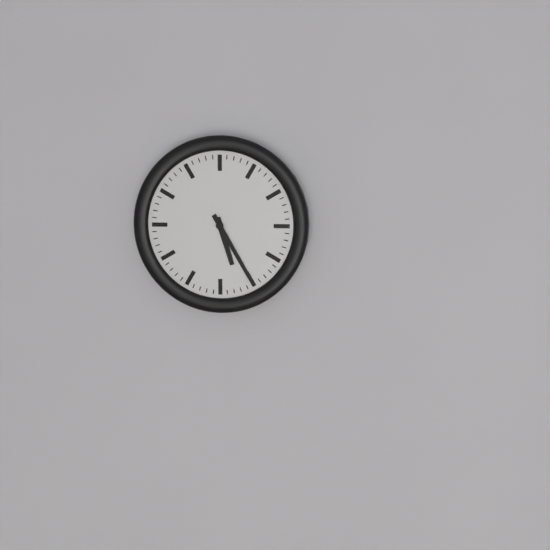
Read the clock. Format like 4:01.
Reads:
5:25
